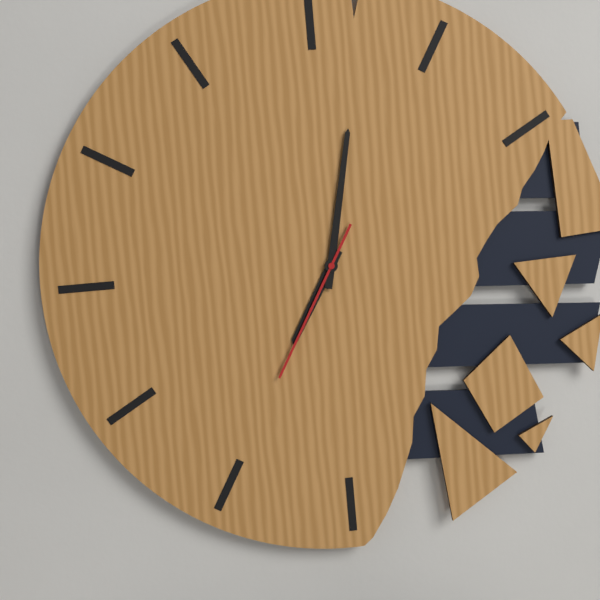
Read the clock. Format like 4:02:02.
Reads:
7:02:35
